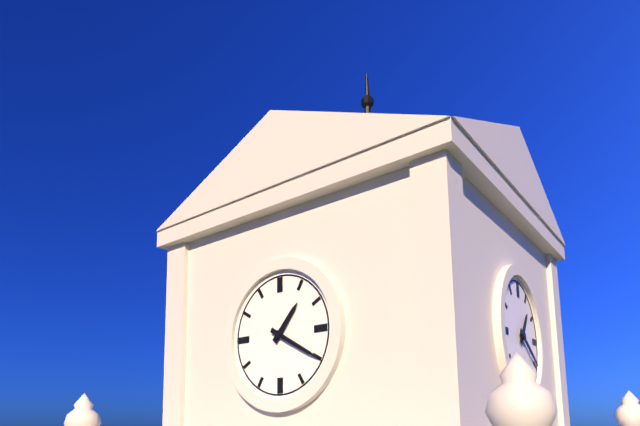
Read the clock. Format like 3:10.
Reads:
1:20
